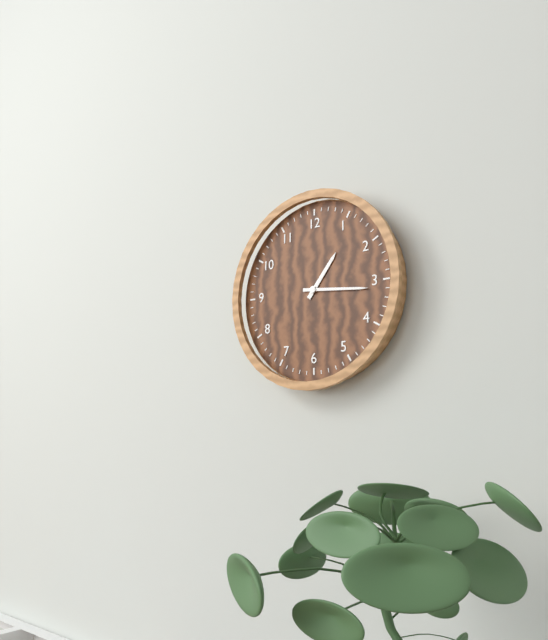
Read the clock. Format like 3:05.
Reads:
1:16
